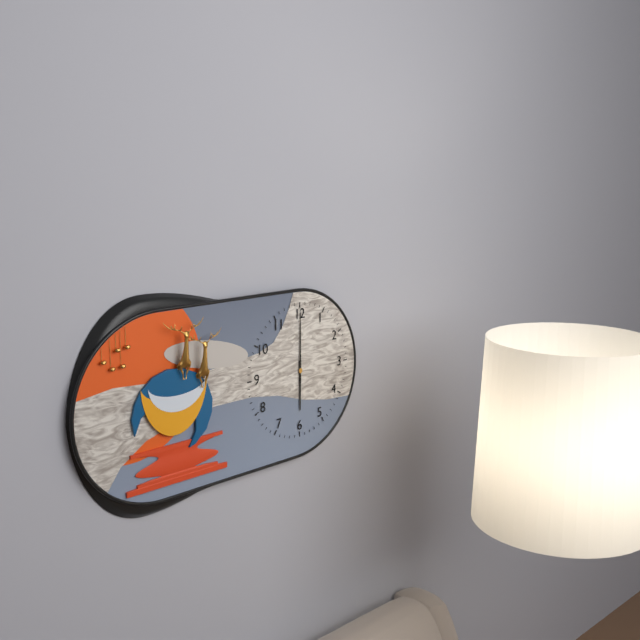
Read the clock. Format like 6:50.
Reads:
6:00
